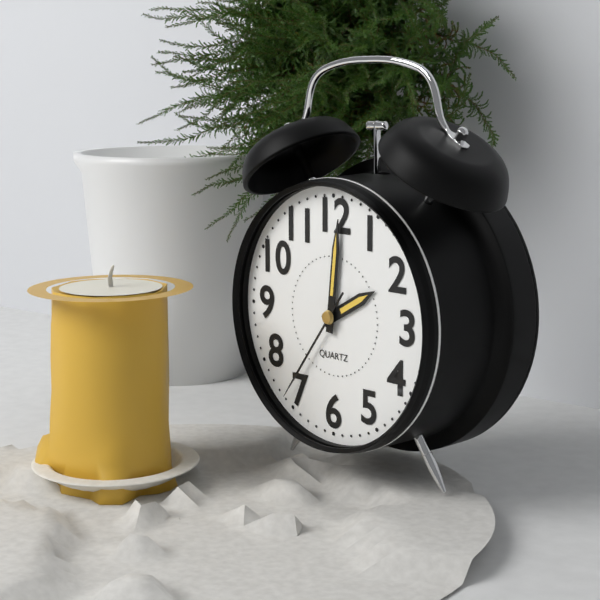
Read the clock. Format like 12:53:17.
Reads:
2:01:36
